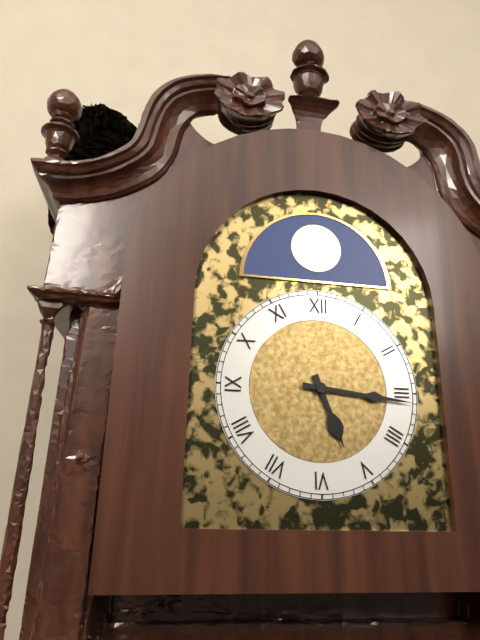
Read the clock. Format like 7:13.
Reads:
5:16
